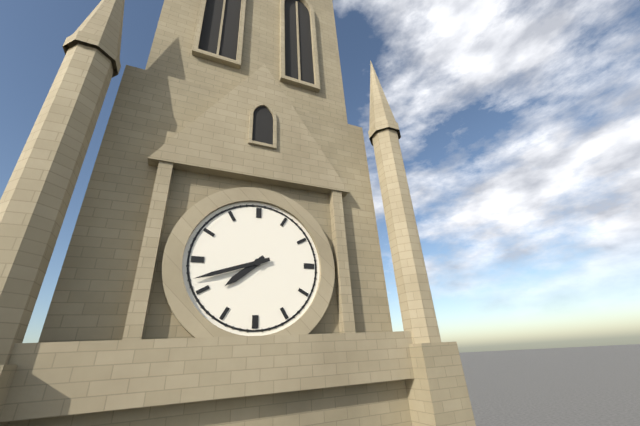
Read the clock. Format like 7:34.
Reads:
7:42
